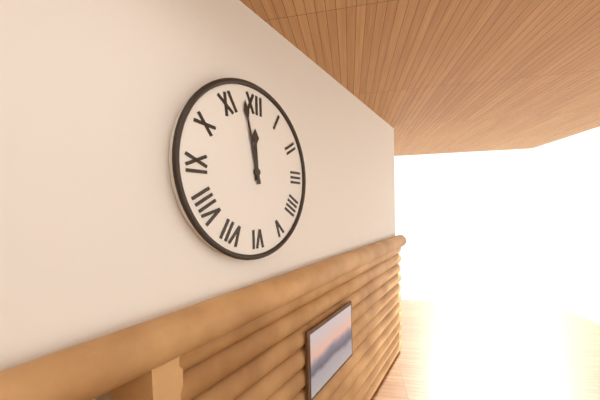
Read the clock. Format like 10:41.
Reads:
11:58
